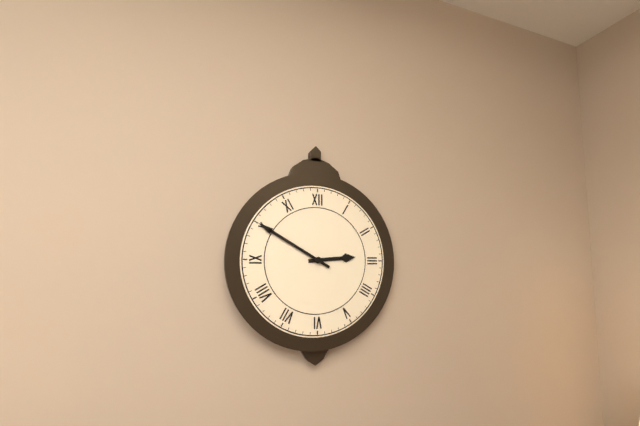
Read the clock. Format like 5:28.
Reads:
2:50
